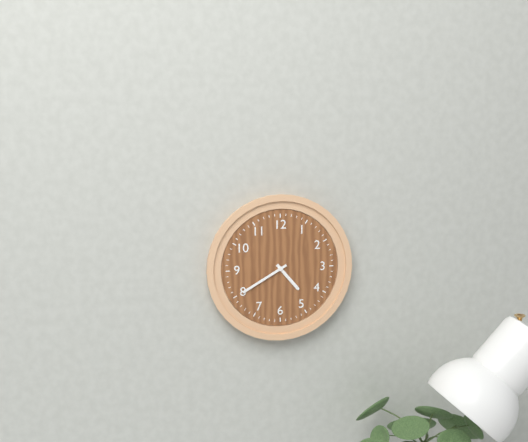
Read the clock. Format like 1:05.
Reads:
4:40
